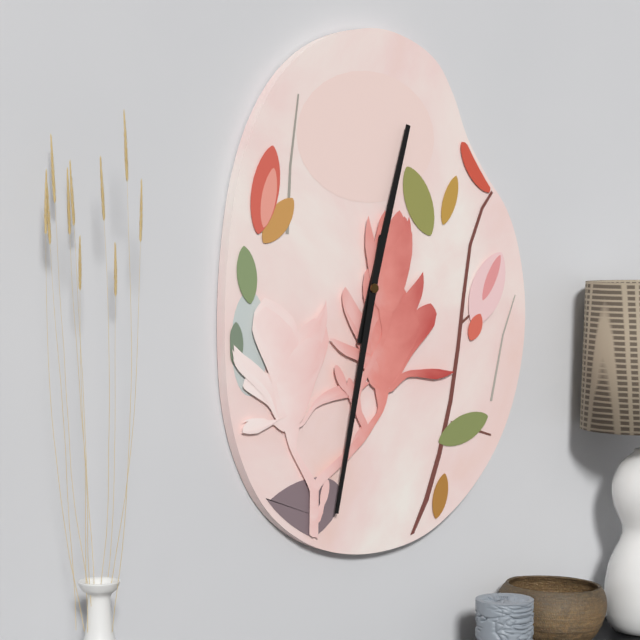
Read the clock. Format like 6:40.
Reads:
12:32
